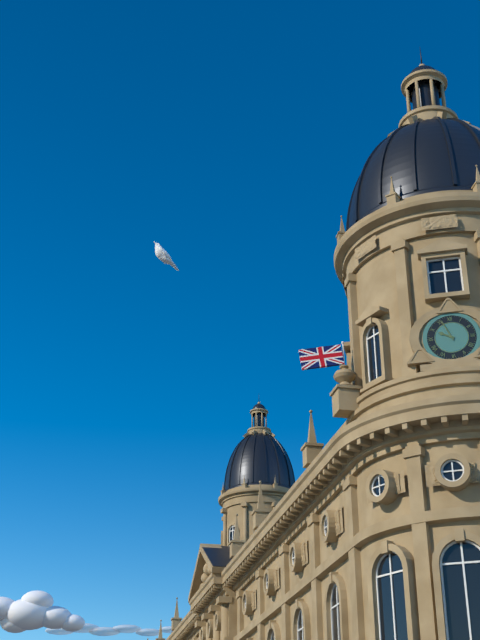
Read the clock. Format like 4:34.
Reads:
9:56
